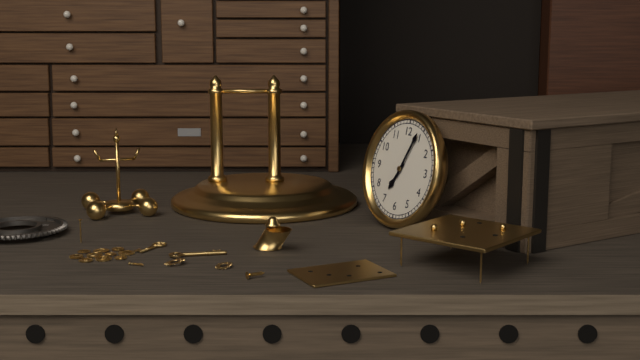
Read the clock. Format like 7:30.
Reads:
7:04
